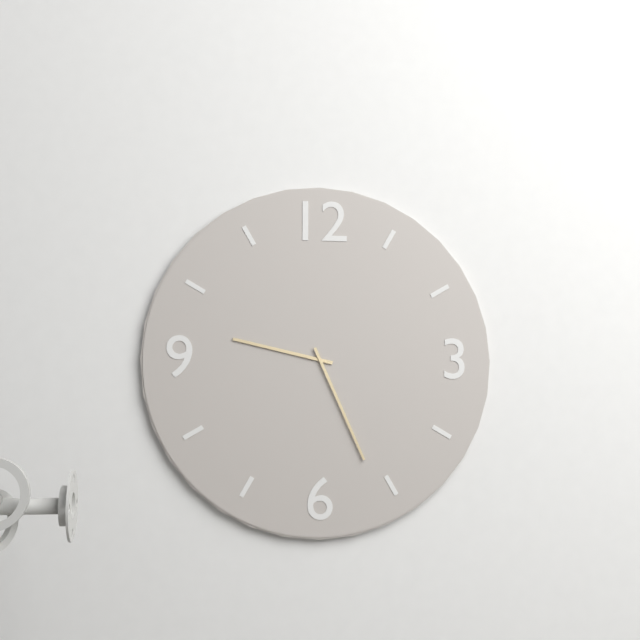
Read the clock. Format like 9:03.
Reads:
9:26
